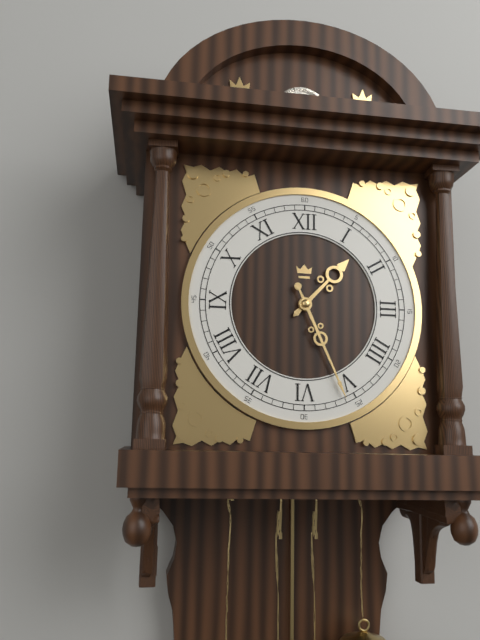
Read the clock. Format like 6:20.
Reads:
1:26
